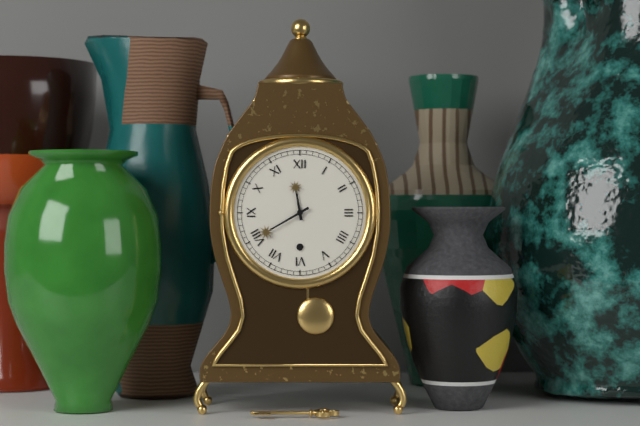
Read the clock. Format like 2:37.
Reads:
11:40
